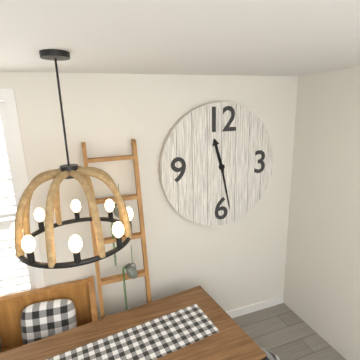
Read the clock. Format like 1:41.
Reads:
11:28
